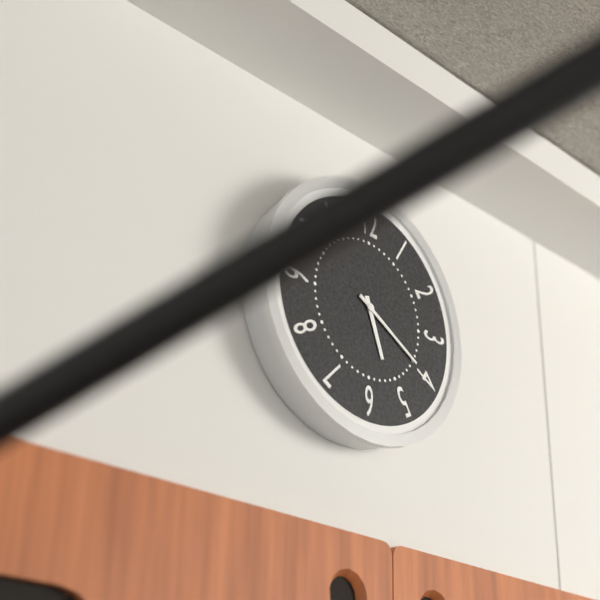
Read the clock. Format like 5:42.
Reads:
5:20
